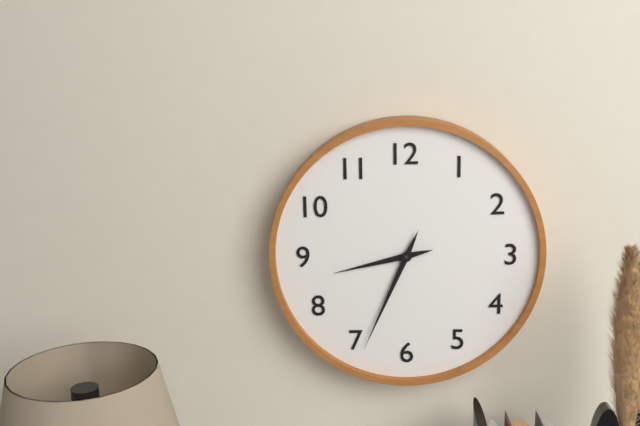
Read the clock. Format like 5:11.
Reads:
8:34
